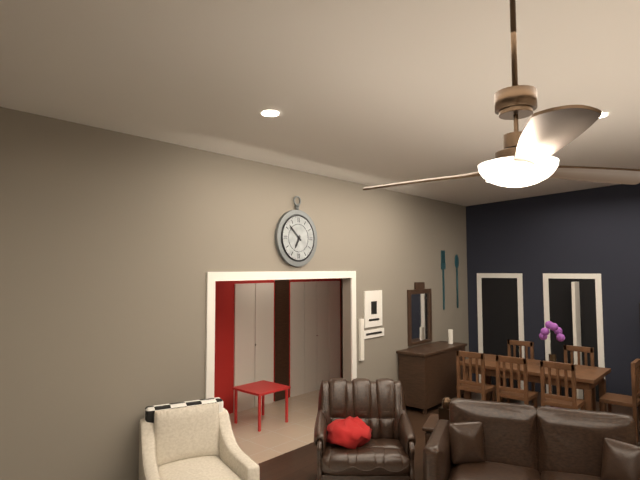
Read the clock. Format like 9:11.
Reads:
6:52
